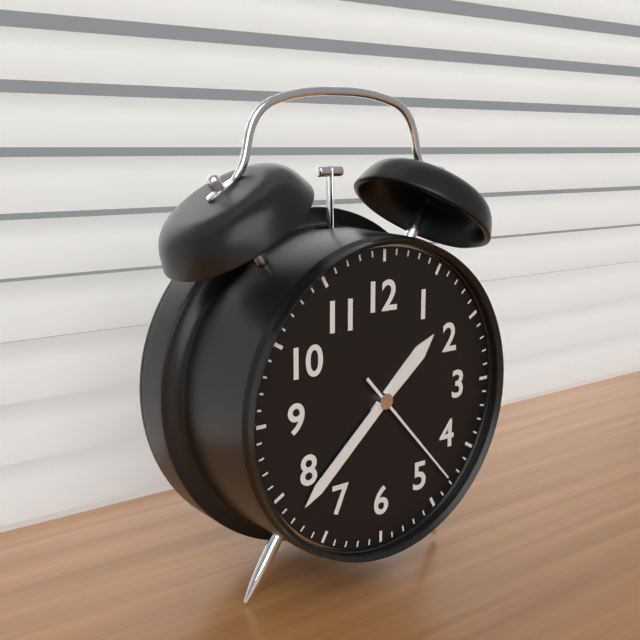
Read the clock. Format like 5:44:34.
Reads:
1:38:23
